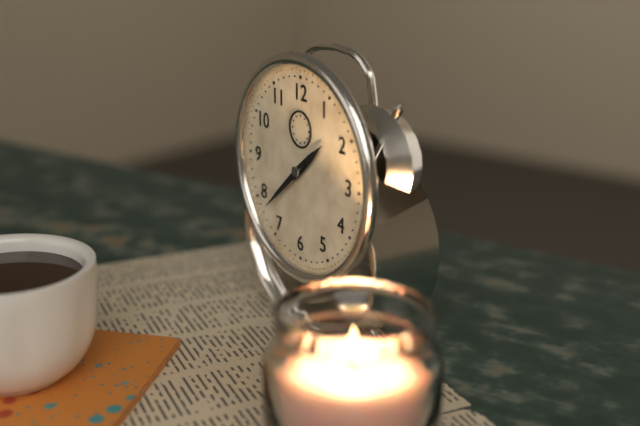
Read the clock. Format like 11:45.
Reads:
1:38
